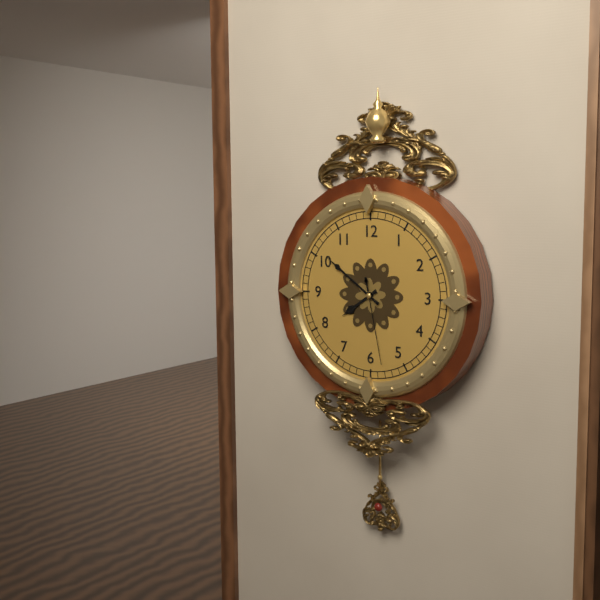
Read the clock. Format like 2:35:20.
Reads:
7:51:28
